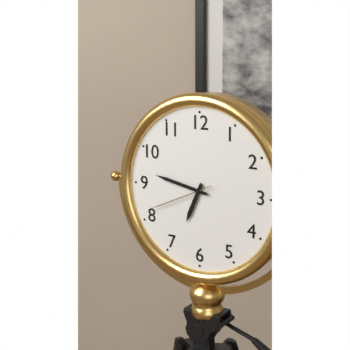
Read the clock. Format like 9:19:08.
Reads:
6:47:41
